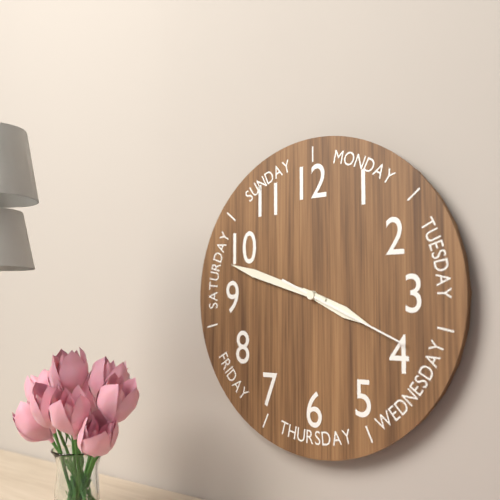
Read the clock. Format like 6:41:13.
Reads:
3:48:19
